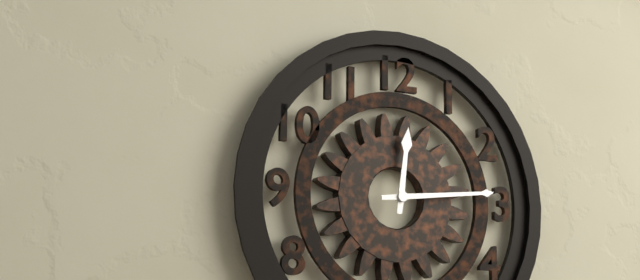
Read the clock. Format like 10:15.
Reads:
12:14
